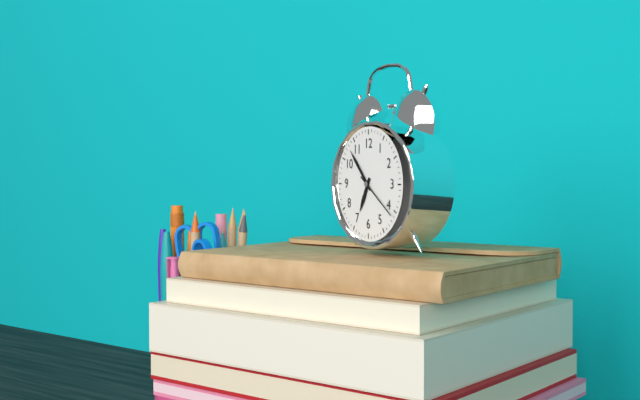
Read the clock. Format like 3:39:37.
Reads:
6:53:21
